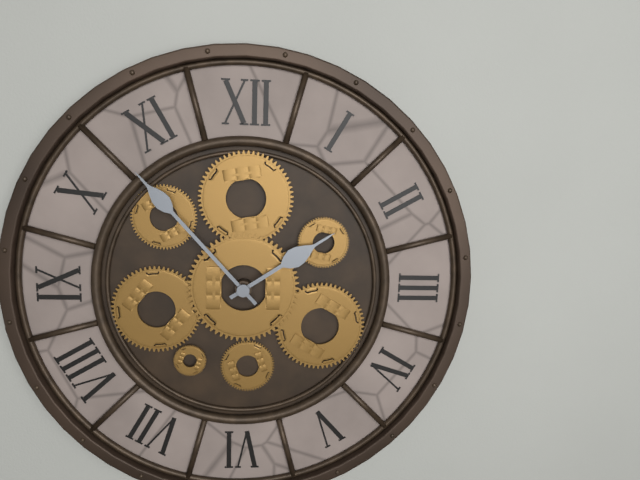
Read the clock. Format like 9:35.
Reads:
1:53
